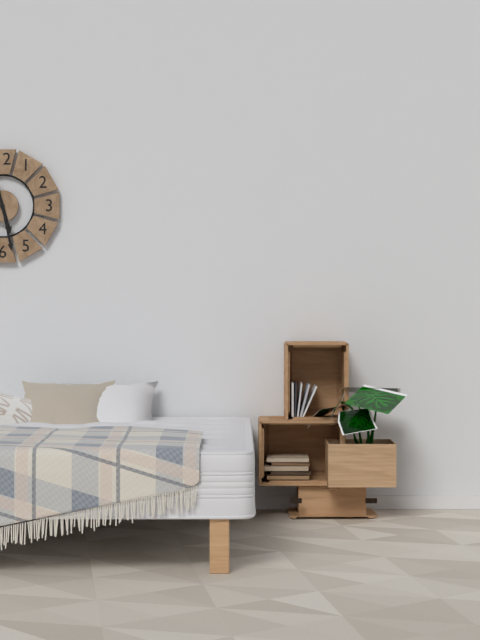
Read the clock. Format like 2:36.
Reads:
5:28
